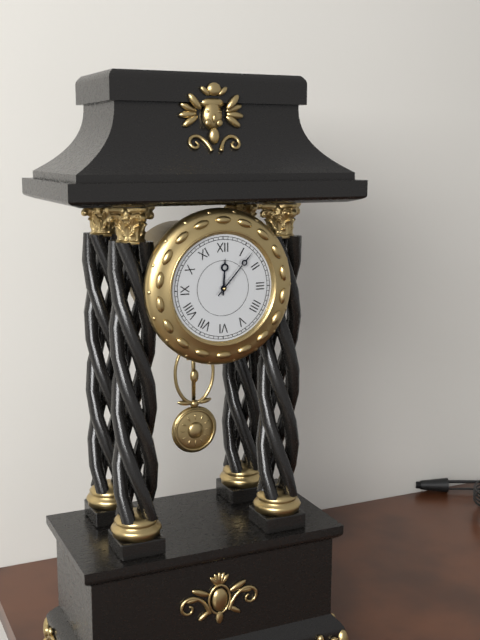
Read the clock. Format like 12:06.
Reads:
12:07
